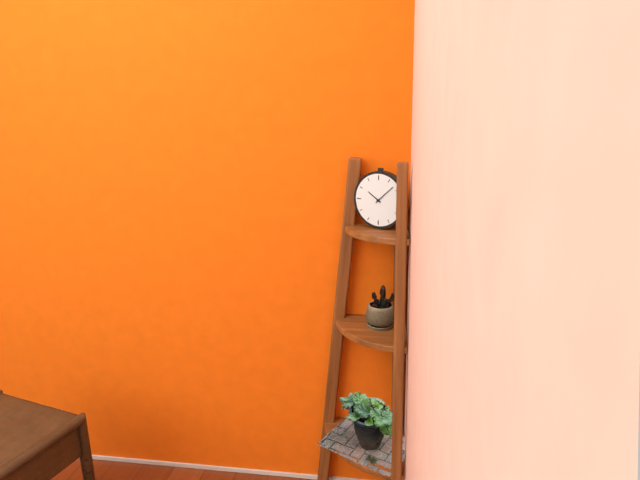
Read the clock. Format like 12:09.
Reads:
10:08
